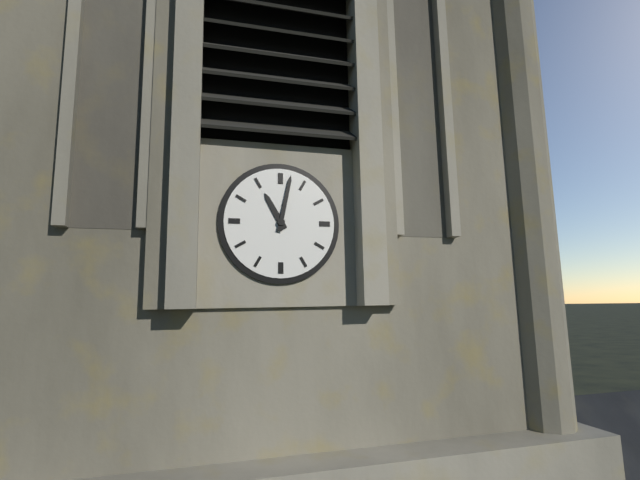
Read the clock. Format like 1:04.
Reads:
11:02
